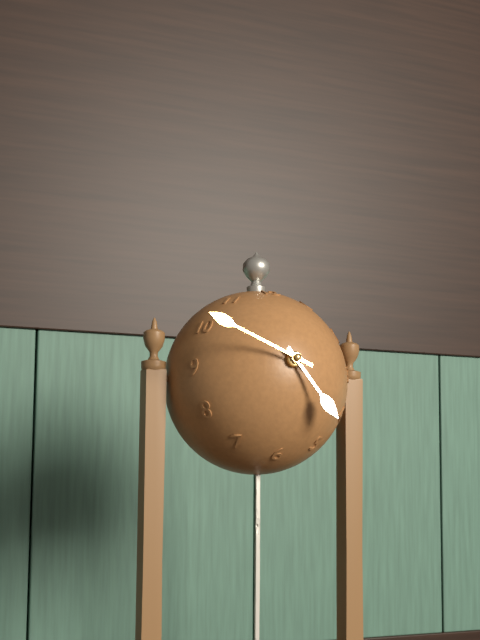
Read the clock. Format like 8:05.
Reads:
4:49
